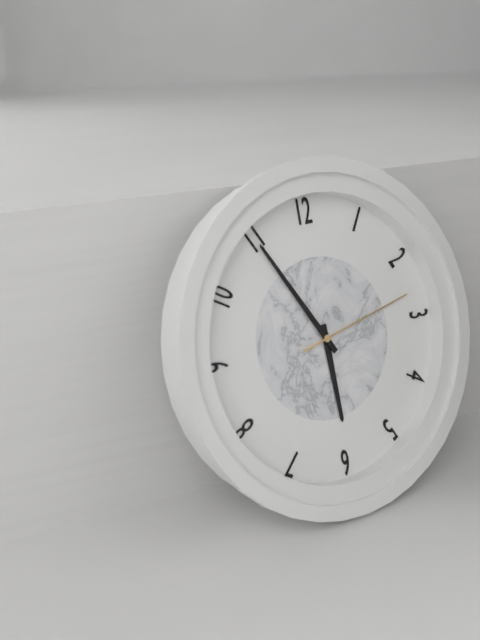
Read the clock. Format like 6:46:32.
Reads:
5:55:13
